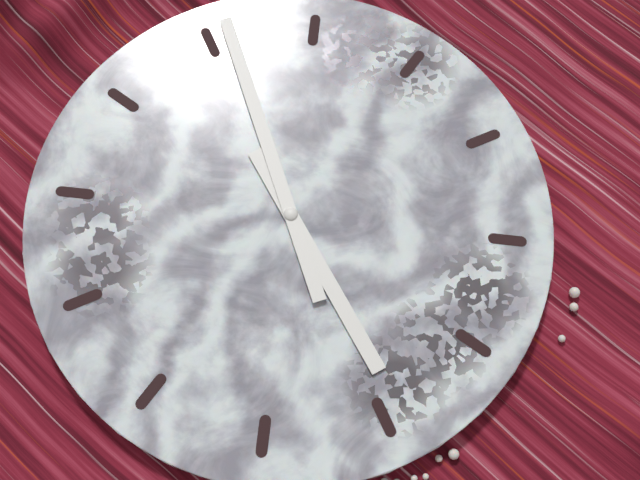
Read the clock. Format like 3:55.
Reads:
3:51
